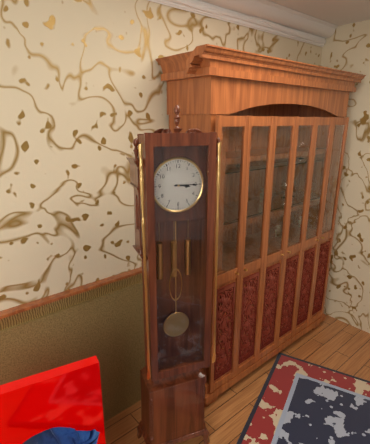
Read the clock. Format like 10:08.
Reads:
3:15
